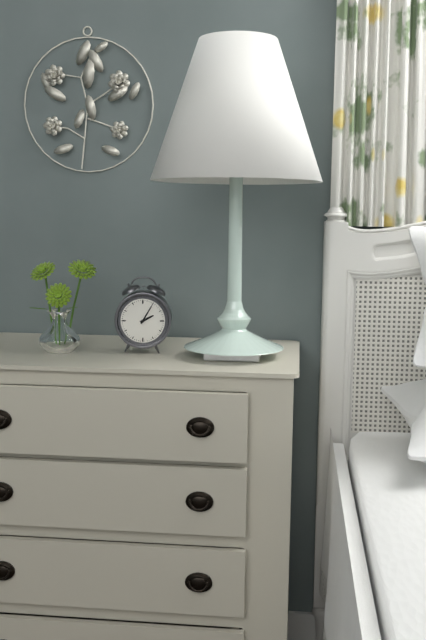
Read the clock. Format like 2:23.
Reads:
2:05
